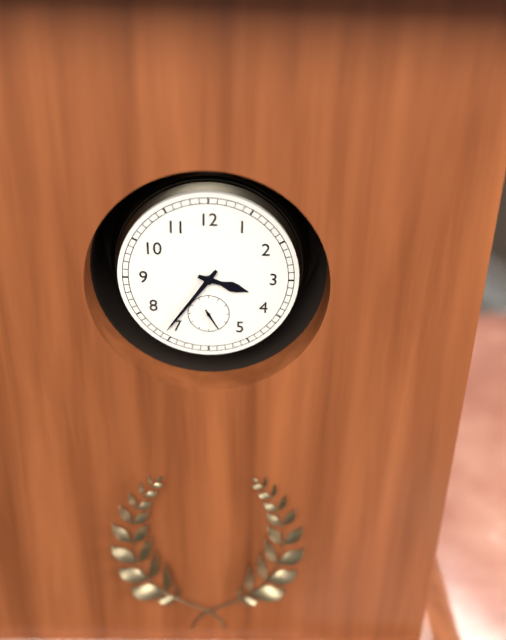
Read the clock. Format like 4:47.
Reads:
3:36
